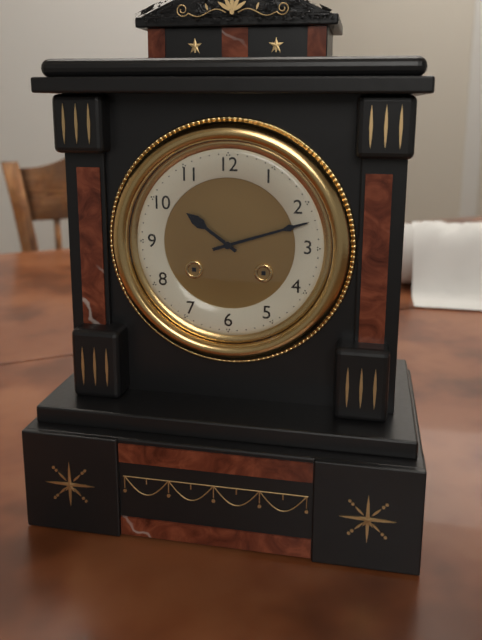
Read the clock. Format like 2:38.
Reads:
10:12
